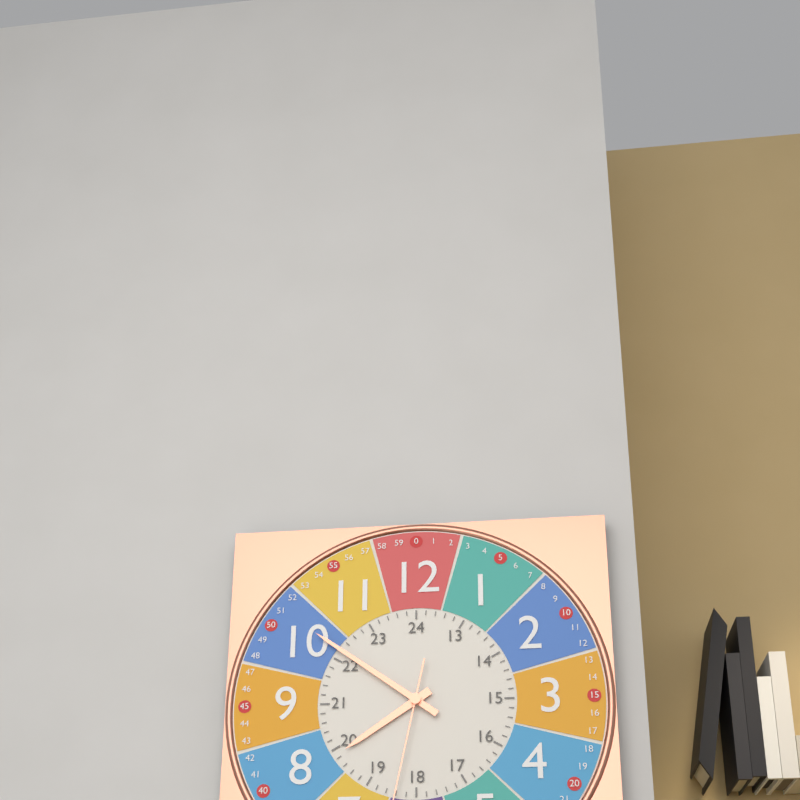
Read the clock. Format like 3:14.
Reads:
7:51
